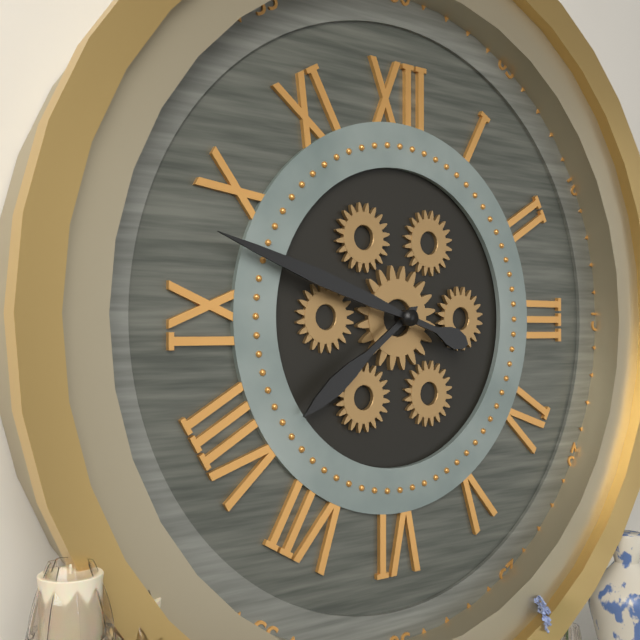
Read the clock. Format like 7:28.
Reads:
7:48
